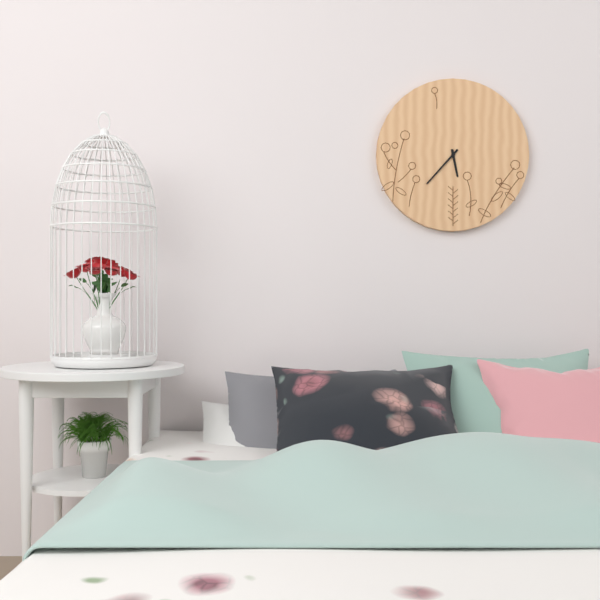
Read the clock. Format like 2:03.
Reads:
5:37
